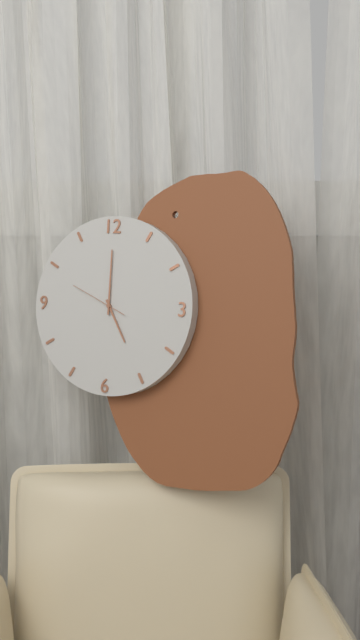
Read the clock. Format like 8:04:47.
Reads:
5:00:49
